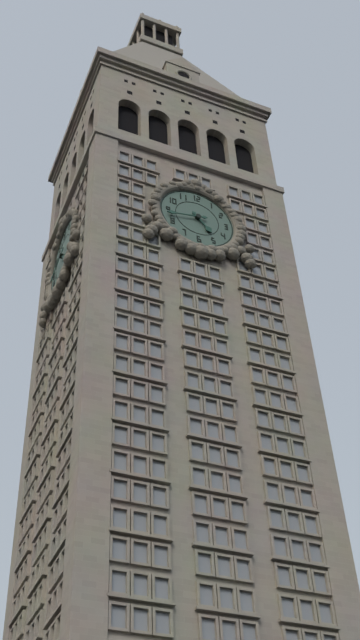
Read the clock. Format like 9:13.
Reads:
4:43
